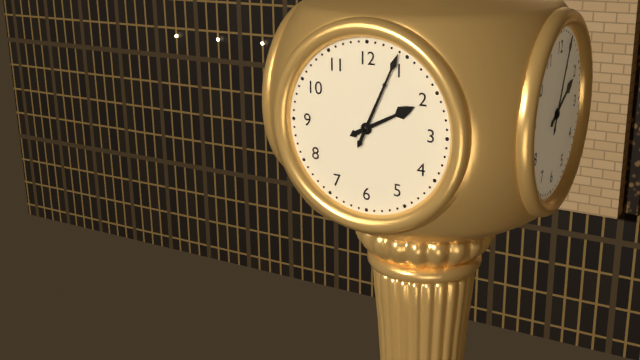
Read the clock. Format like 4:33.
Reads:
2:04
